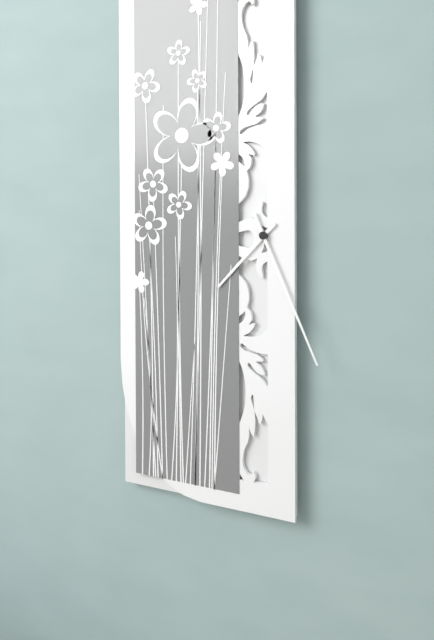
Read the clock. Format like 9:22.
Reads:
7:26
